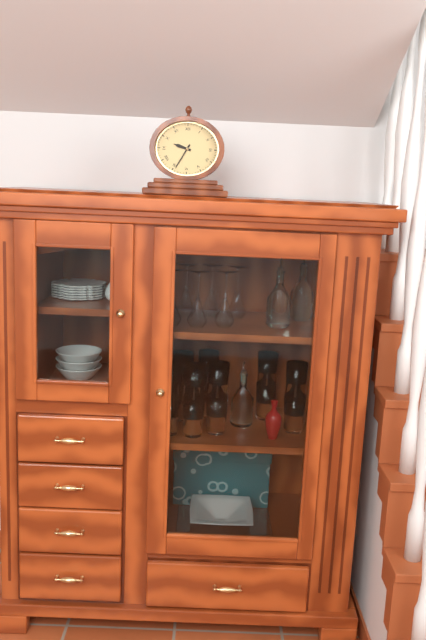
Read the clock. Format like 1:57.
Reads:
9:35
